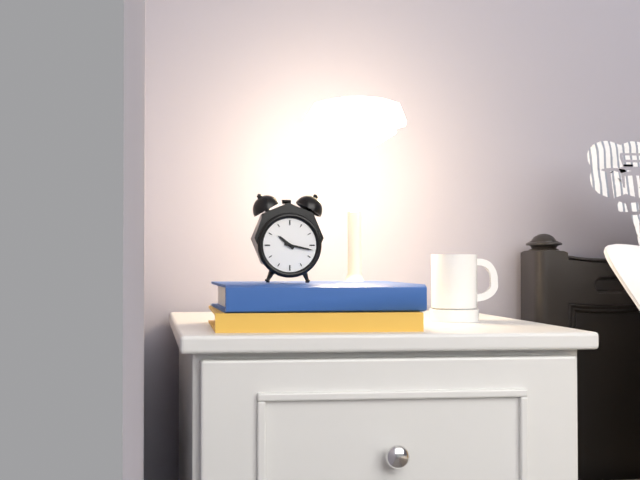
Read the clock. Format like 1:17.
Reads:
10:17
